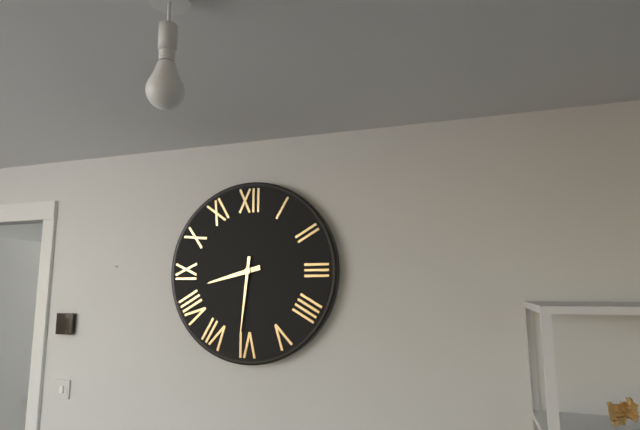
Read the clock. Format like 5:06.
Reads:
8:31
